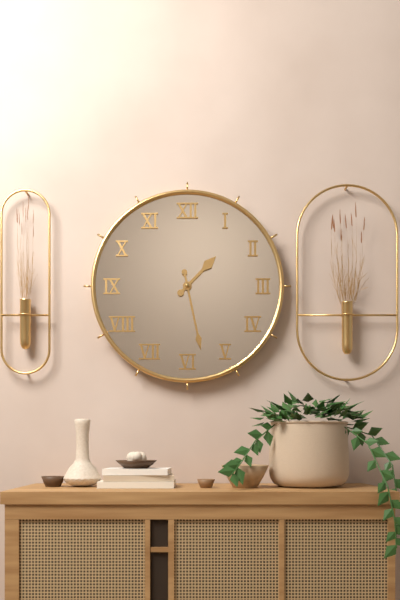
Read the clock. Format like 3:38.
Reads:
1:28
